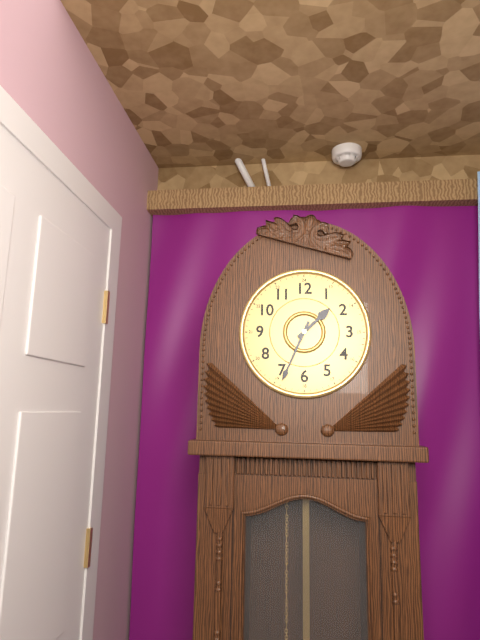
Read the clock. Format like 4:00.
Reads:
1:34
